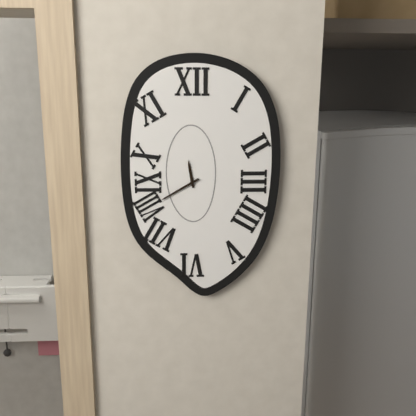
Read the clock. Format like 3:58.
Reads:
11:40
